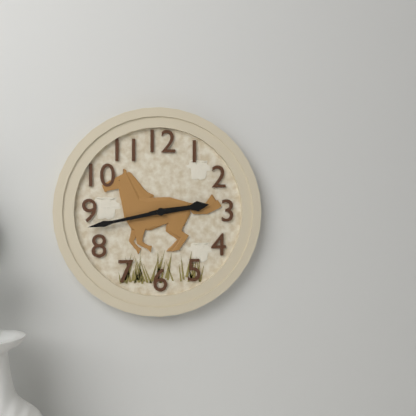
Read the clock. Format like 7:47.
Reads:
2:43
